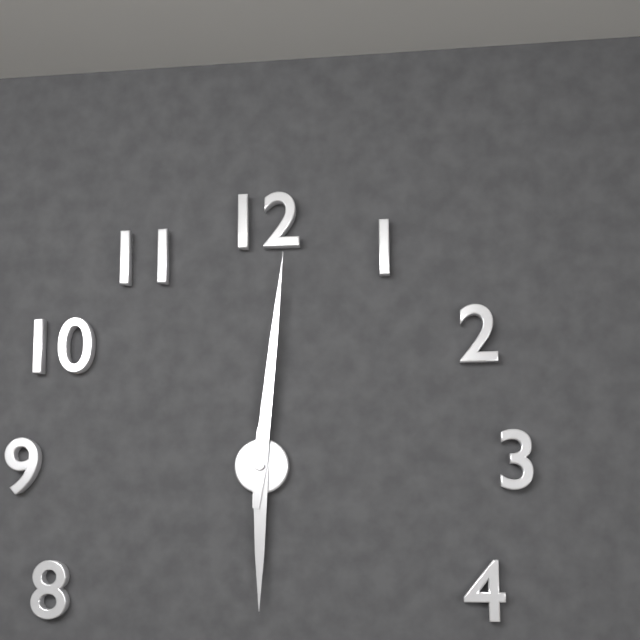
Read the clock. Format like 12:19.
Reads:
6:01
